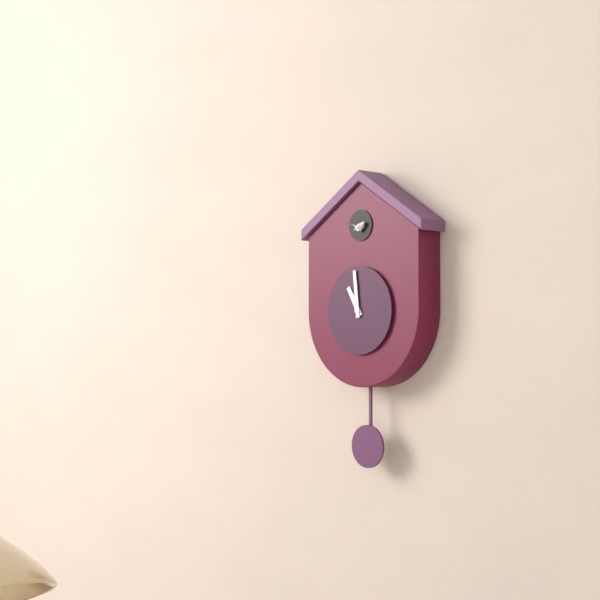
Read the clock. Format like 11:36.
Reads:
10:59
